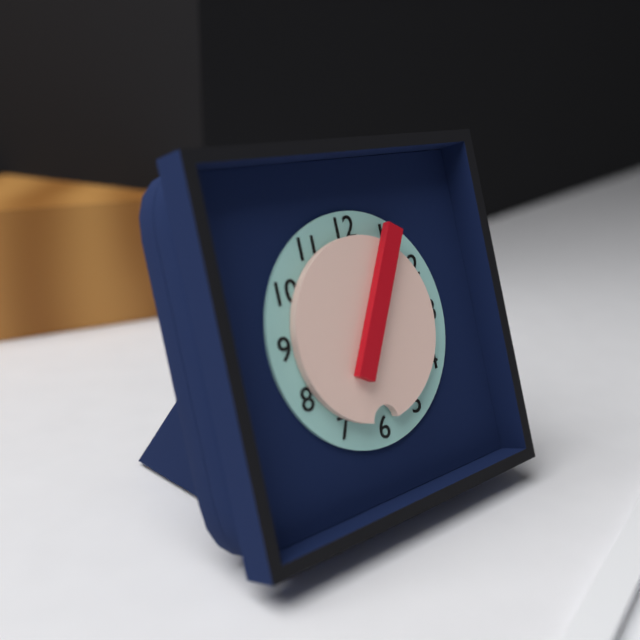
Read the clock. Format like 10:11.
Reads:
6:05
